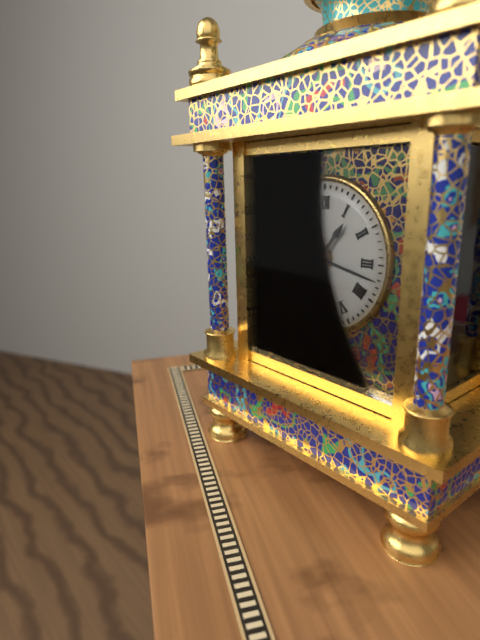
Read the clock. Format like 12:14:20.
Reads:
1:17:30
